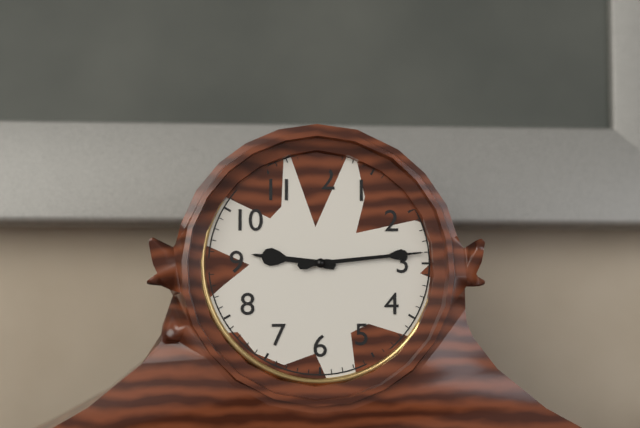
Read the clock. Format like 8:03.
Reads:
9:14
